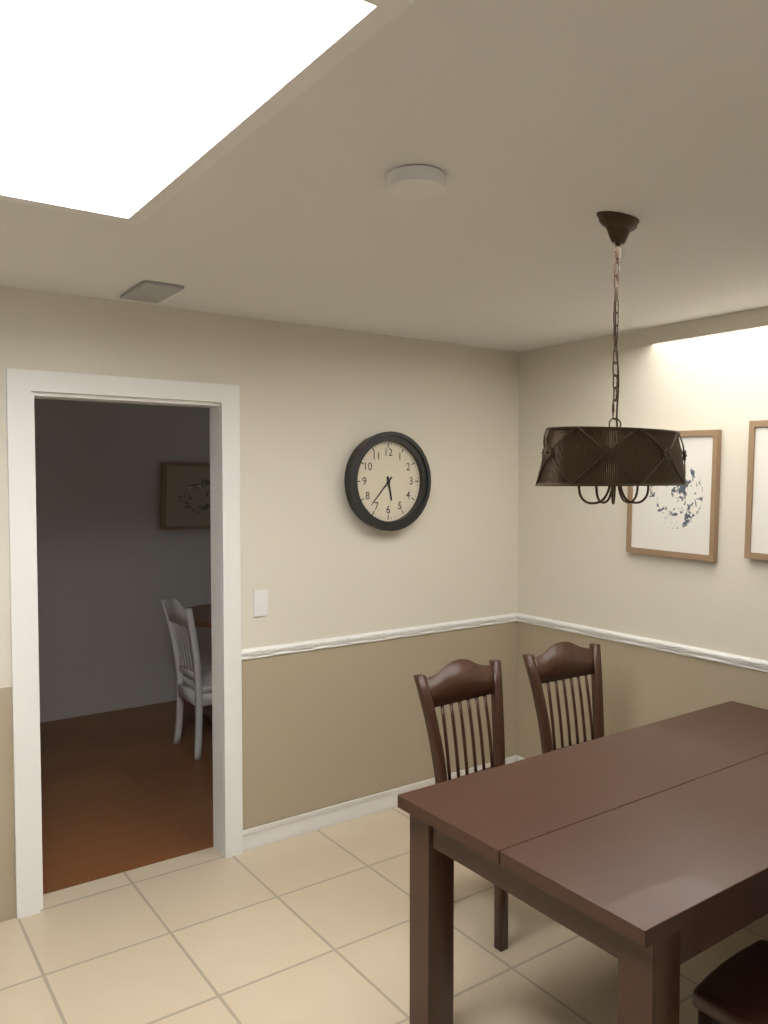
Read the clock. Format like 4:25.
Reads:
5:37
